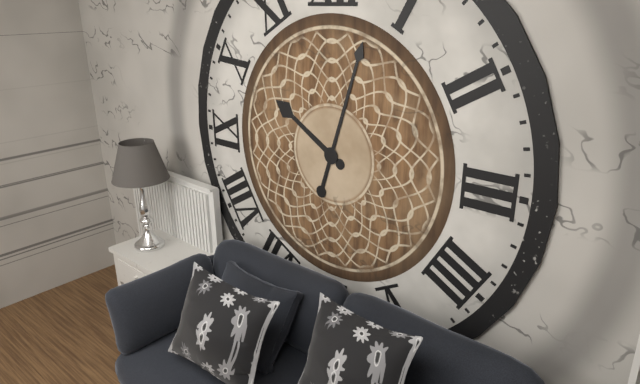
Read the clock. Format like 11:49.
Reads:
10:03
